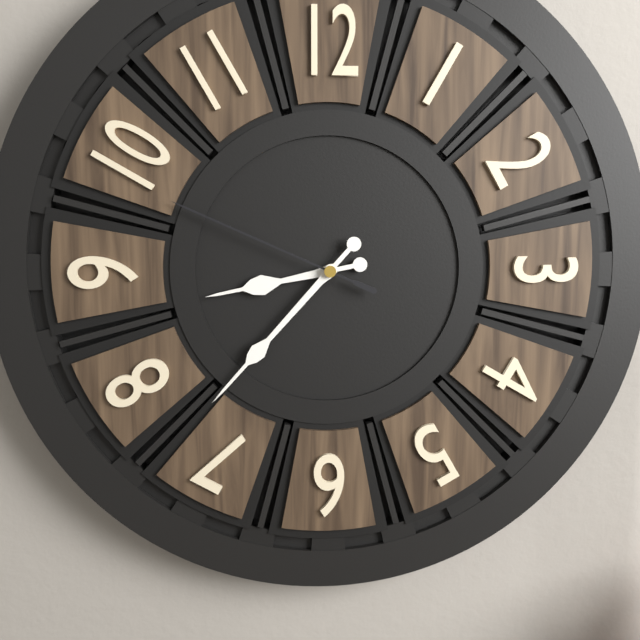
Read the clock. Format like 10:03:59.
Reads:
8:37:49
